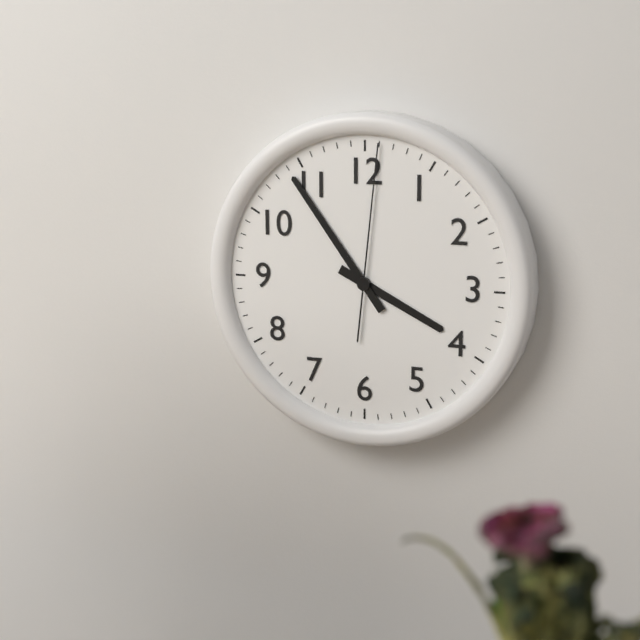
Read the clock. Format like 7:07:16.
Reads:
3:54:01
